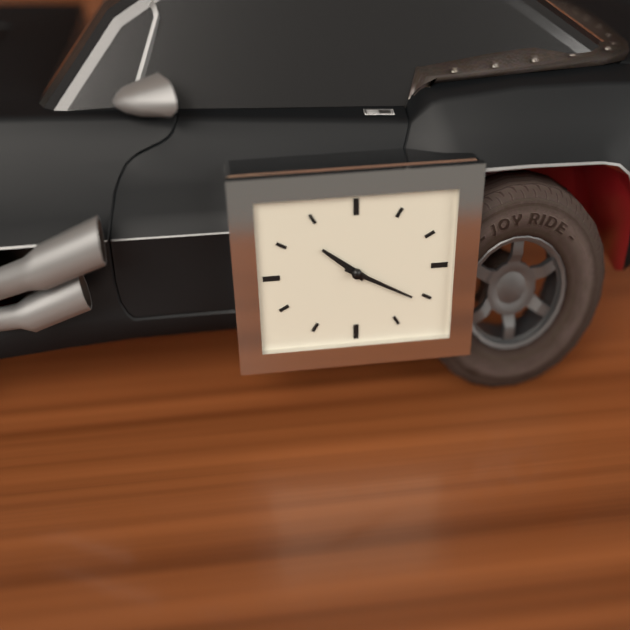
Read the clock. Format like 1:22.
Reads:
10:20
